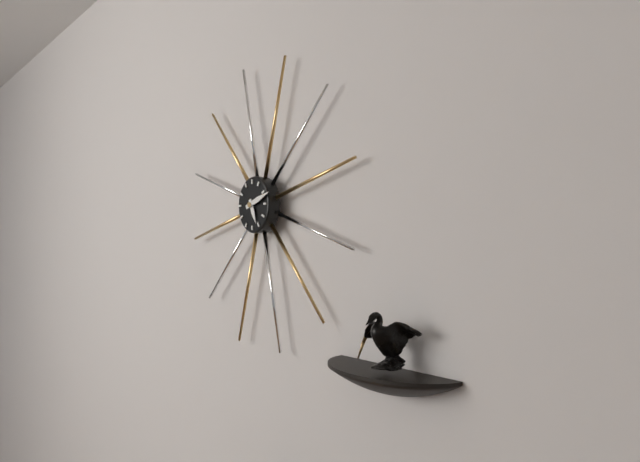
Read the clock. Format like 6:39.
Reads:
5:12
